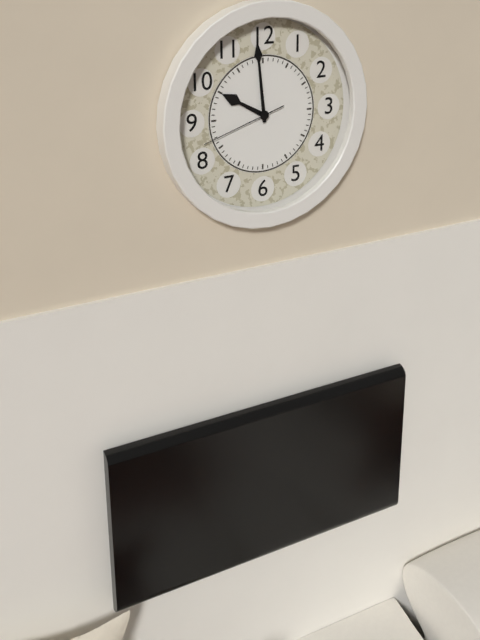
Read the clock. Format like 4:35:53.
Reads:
9:59:42
